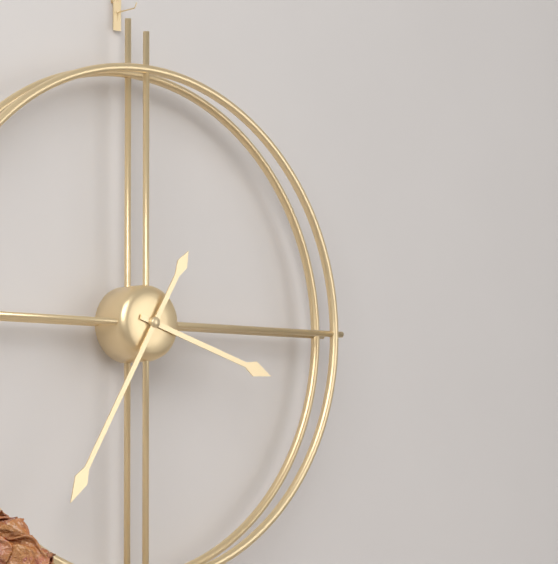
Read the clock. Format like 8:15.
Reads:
3:35
